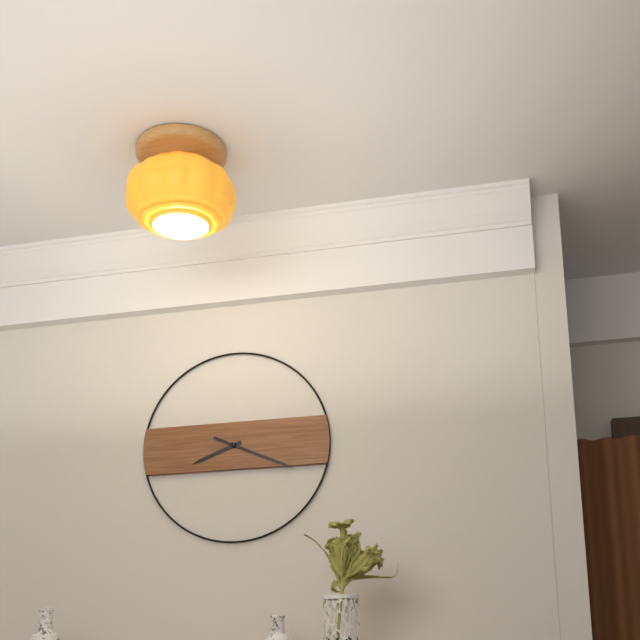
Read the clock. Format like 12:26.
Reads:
8:19
